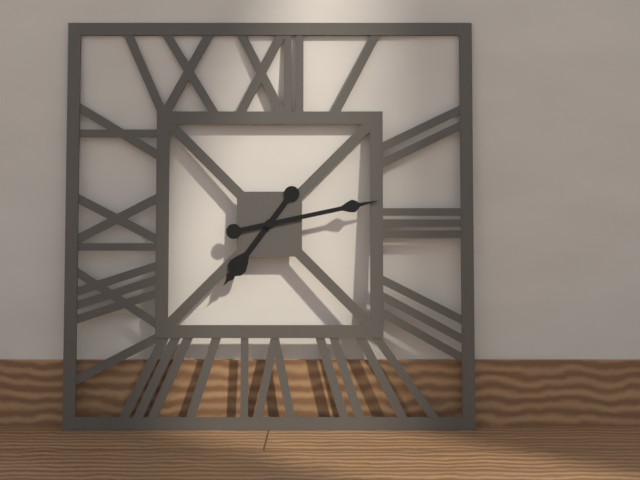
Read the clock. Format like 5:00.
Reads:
7:13
